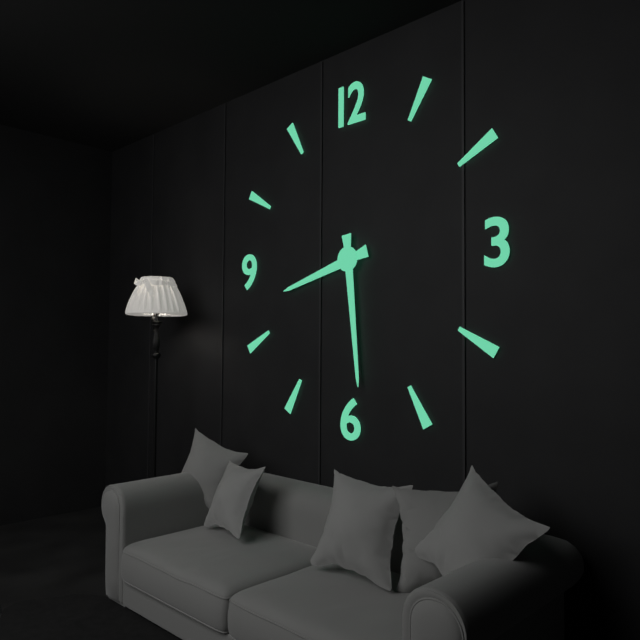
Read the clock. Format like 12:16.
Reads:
8:29
